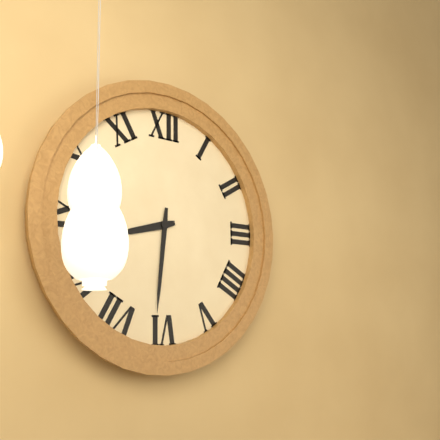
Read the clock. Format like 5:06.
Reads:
8:31
